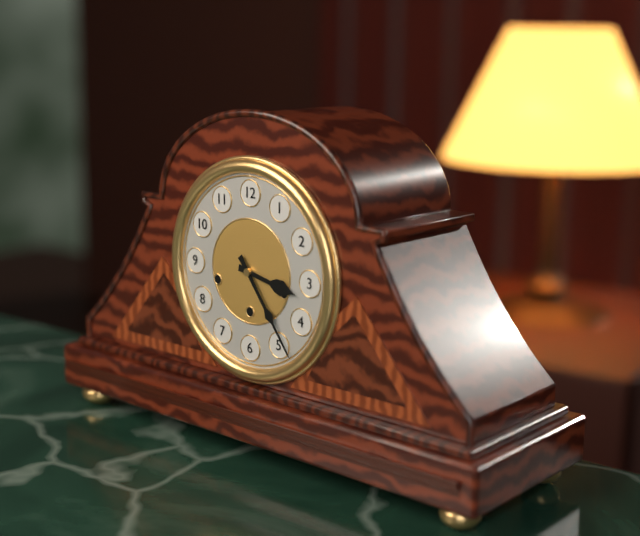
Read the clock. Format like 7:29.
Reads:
3:24
